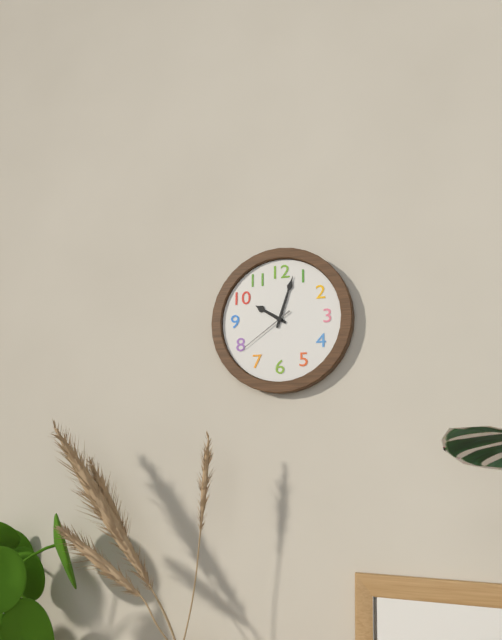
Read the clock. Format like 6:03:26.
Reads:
10:03:39
